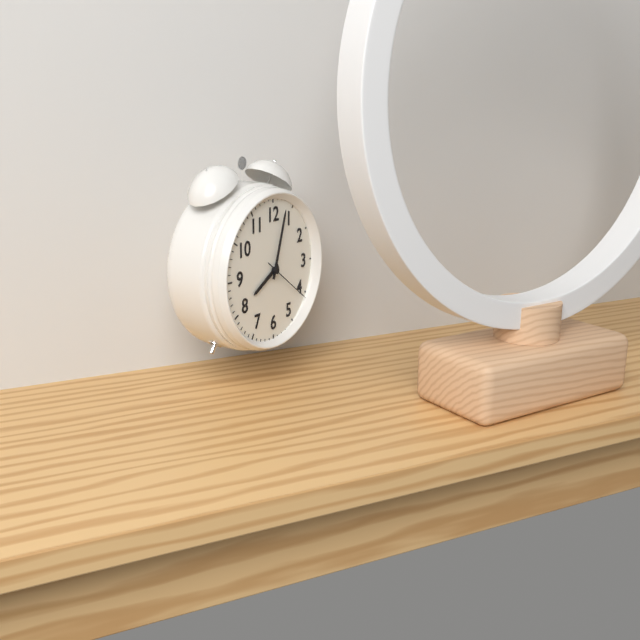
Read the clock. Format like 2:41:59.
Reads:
8:03:21
